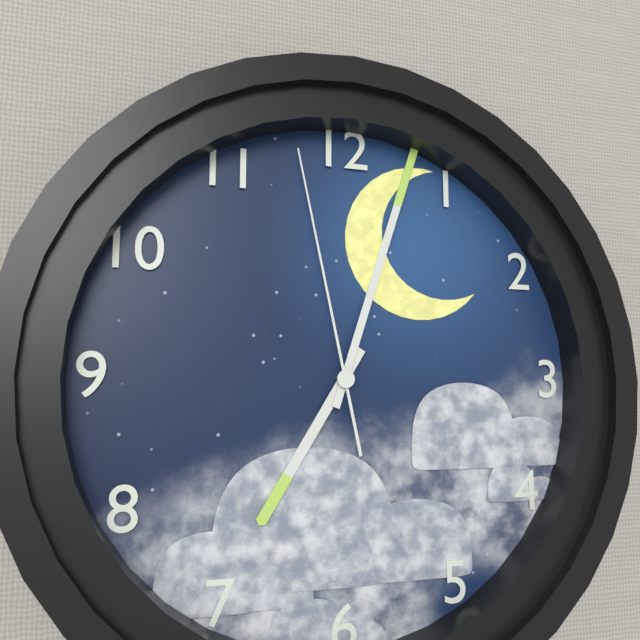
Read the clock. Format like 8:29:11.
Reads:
7:03:58
